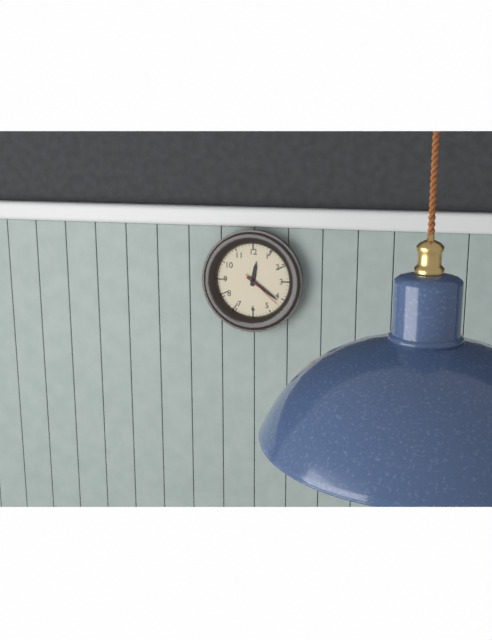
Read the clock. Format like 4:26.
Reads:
12:21
